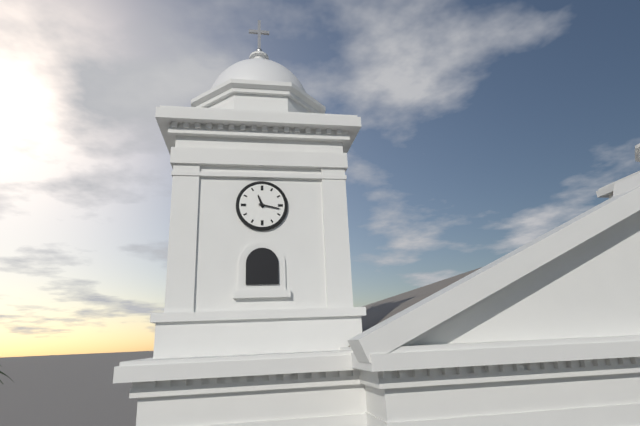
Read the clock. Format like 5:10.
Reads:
11:17
